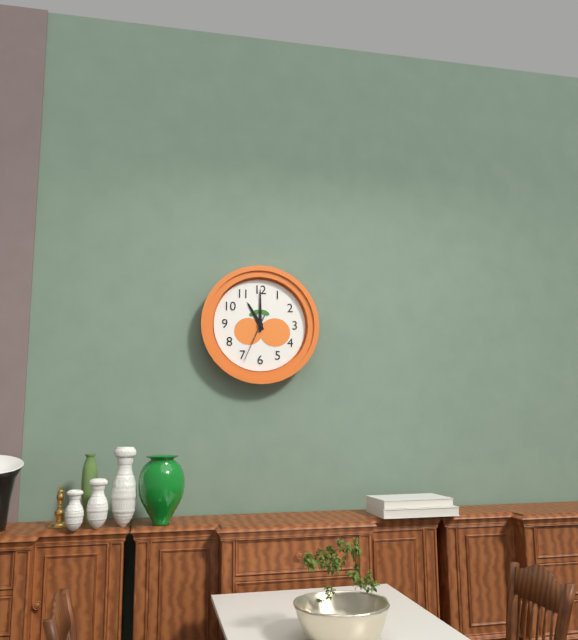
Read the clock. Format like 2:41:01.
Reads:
11:00:34
